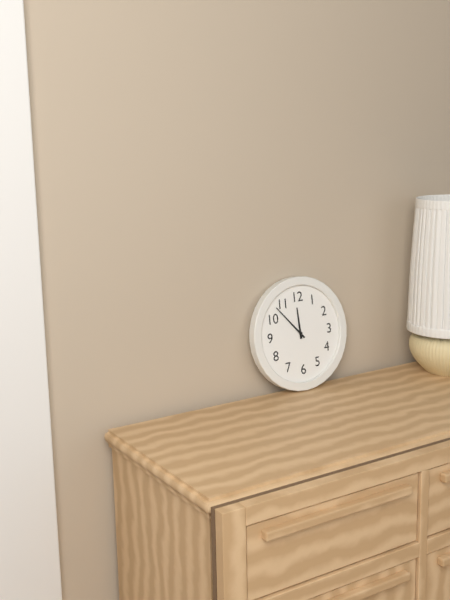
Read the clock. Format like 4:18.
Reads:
11:53
